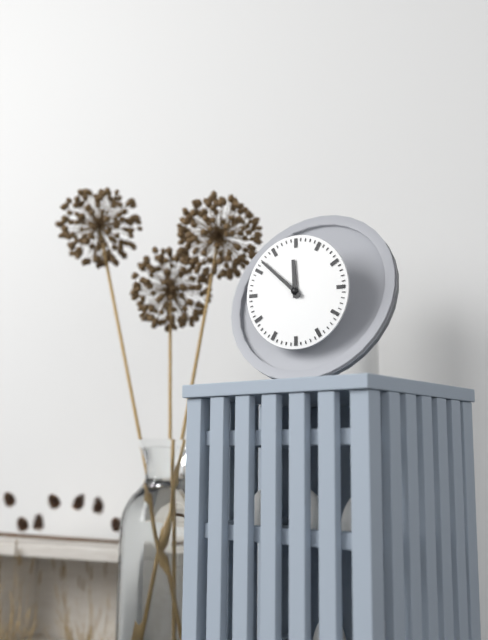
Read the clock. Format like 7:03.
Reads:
11:52
